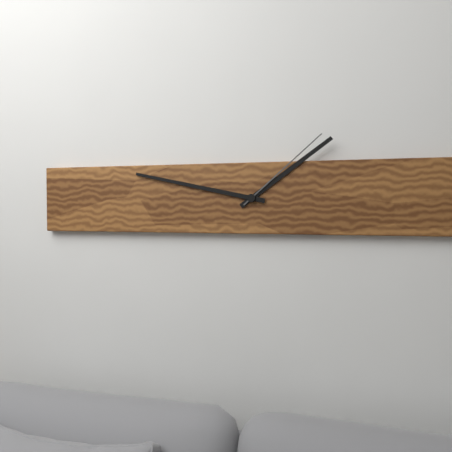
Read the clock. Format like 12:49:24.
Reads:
1:47:08
